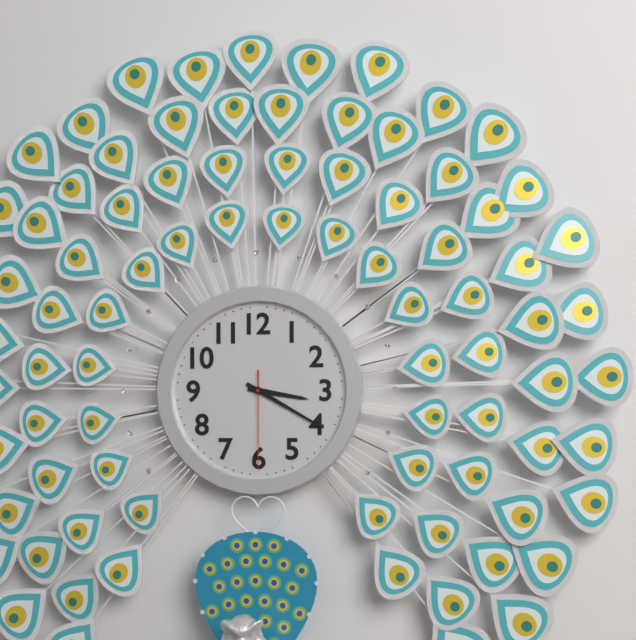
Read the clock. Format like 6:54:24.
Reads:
3:20:30
